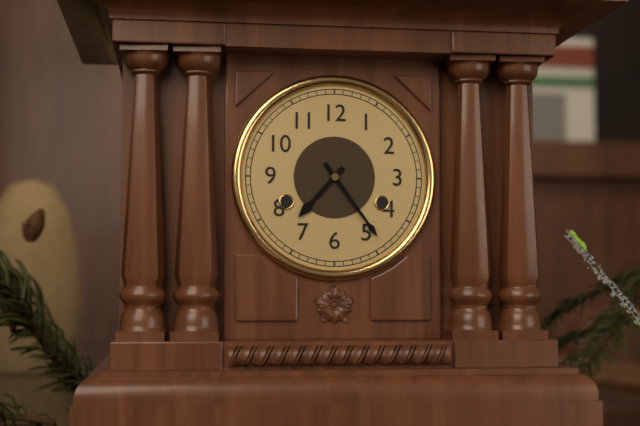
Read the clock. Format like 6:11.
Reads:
7:24
